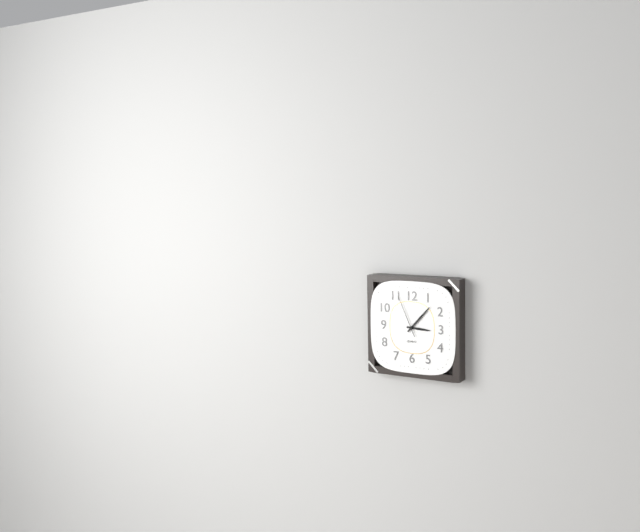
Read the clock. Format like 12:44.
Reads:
3:07
